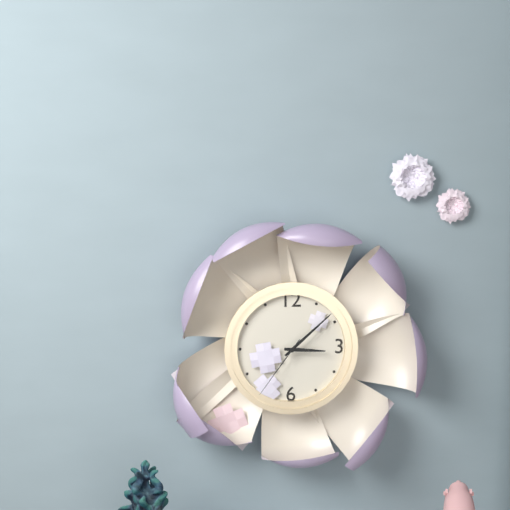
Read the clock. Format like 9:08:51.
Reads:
3:08:36
